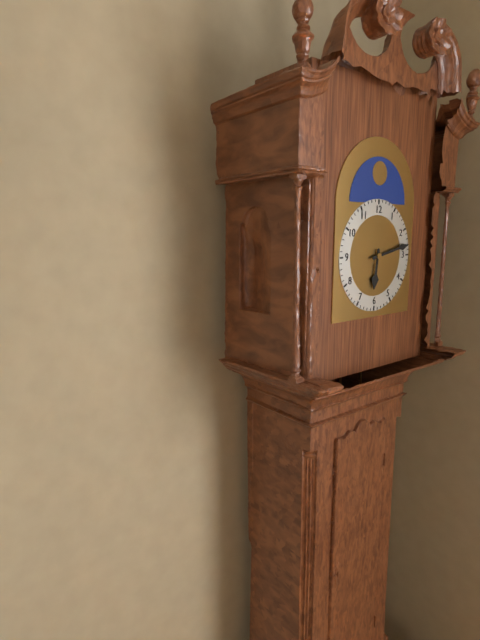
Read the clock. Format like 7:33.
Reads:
6:13
